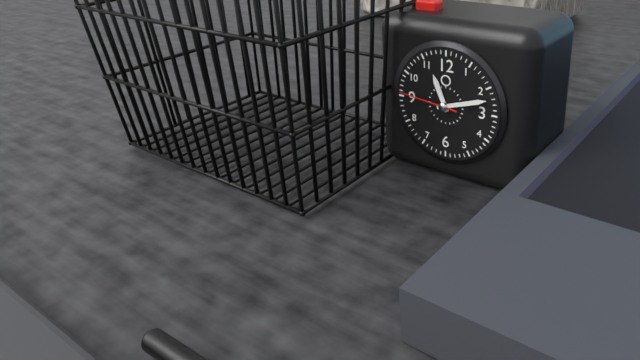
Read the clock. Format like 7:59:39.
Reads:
11:12:46
